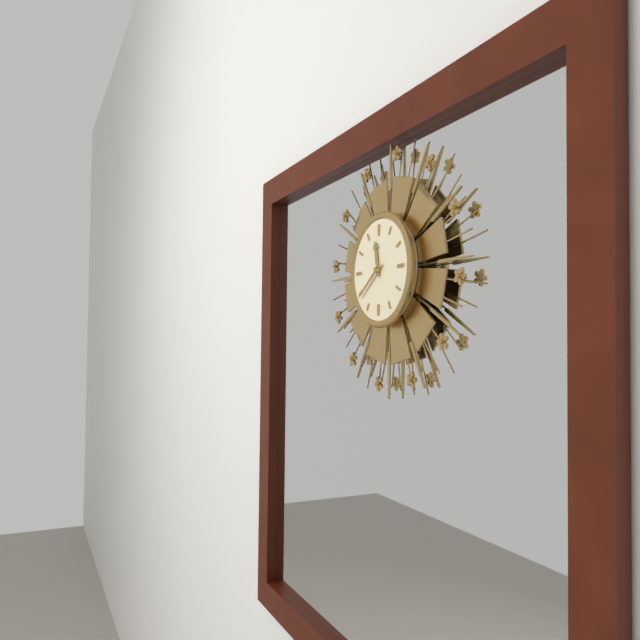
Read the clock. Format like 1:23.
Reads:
11:39
